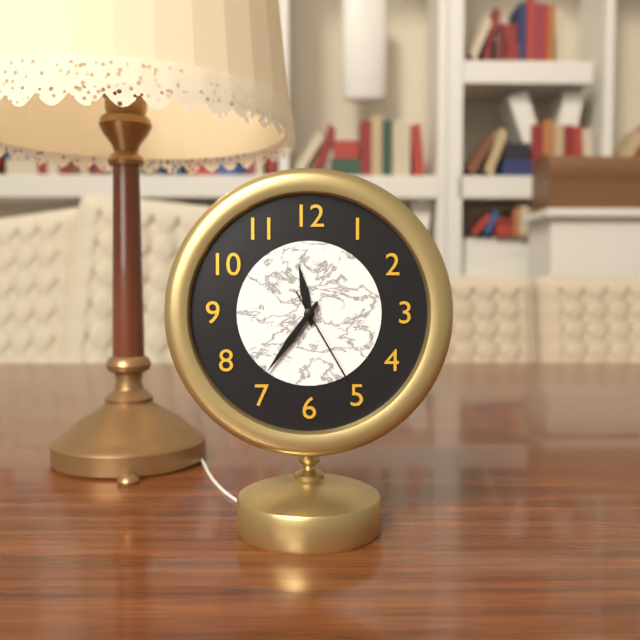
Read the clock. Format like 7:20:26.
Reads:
11:36:25
